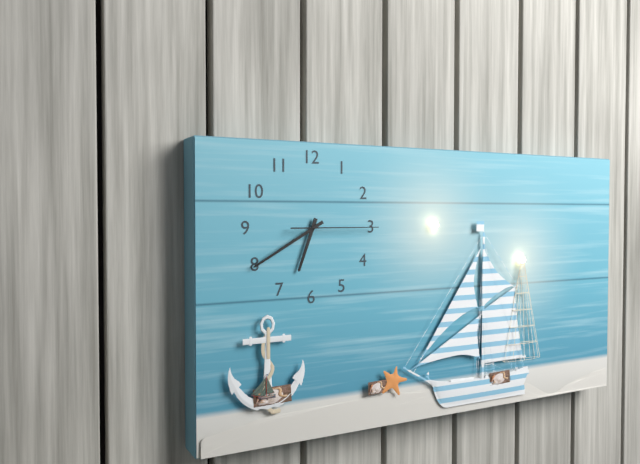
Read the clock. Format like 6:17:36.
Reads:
6:40:15
